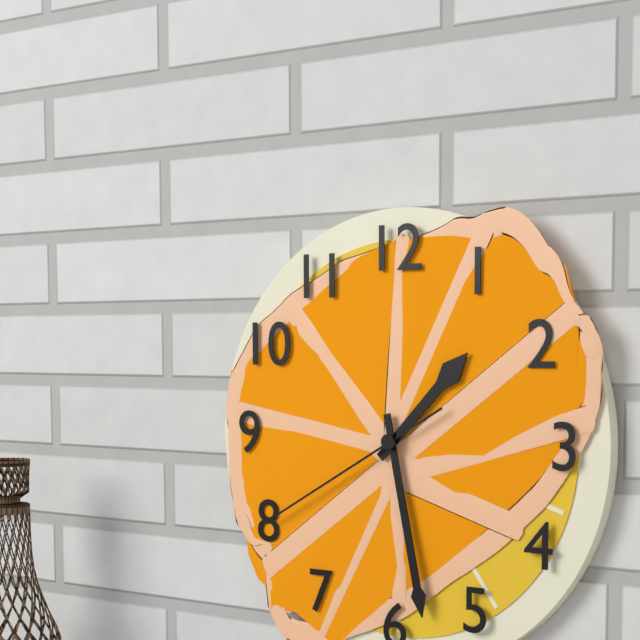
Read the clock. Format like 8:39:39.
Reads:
1:28:40
